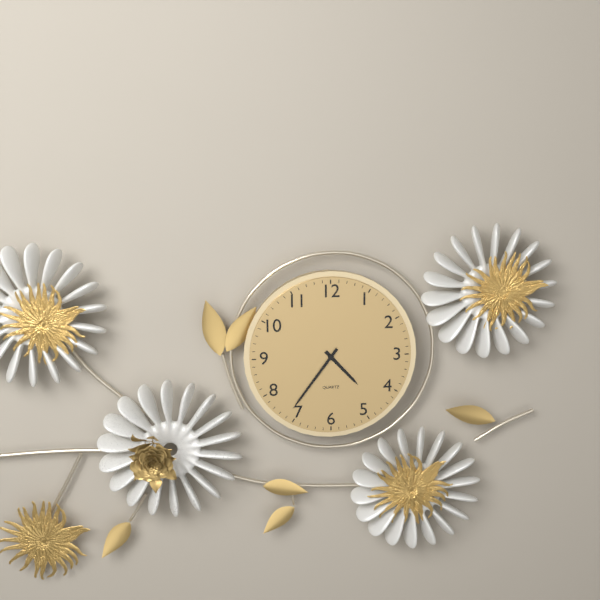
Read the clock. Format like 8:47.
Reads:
4:36
